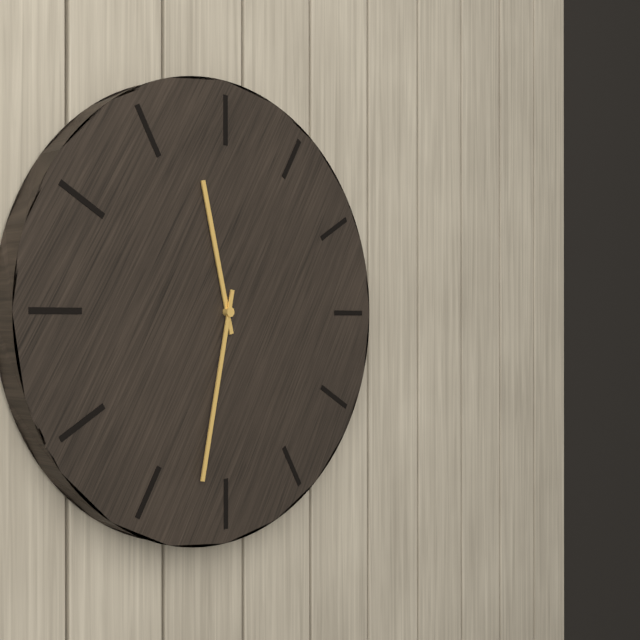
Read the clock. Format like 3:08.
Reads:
11:32
